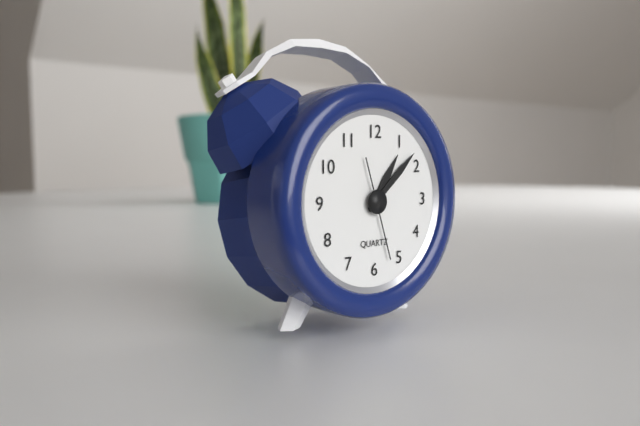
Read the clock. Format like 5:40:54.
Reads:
1:08:27
